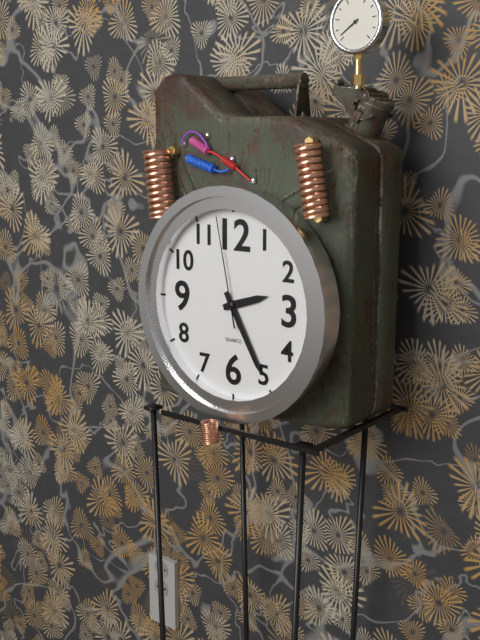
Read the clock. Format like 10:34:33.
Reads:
2:25:58
